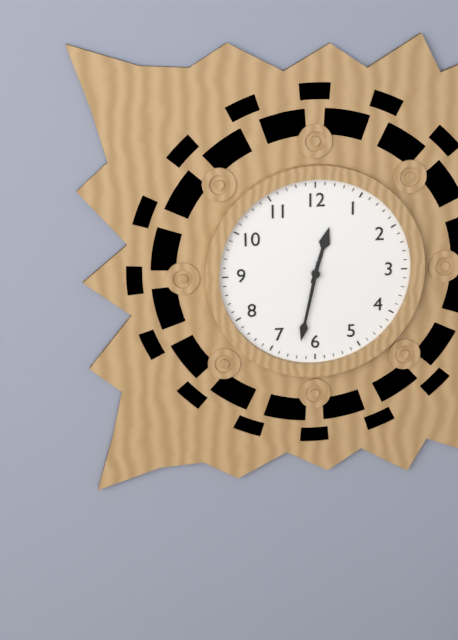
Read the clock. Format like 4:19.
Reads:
12:32
